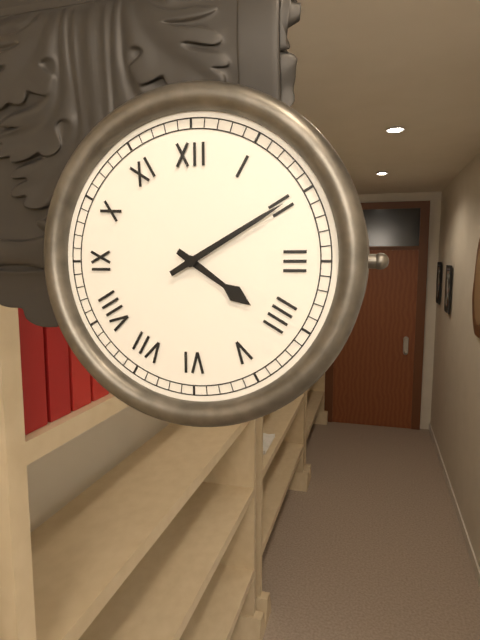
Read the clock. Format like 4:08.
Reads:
4:10
